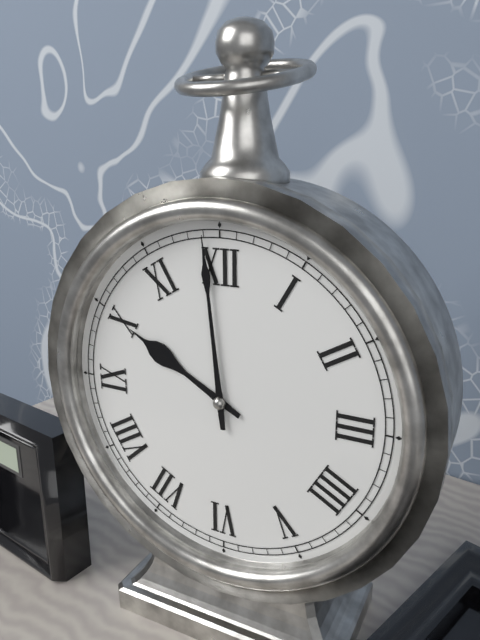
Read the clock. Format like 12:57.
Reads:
9:59
